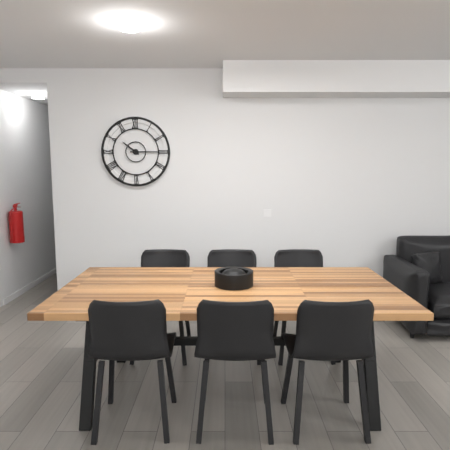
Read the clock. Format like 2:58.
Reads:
10:15
